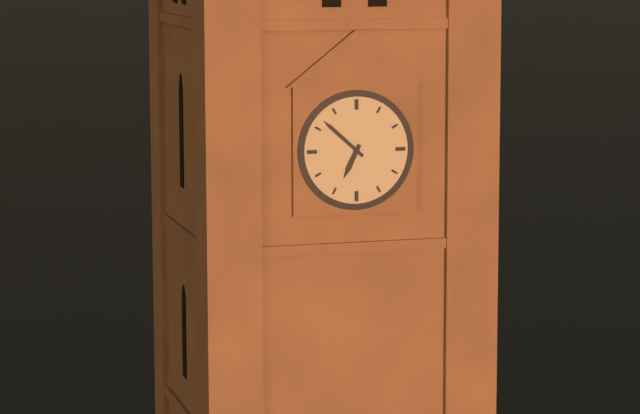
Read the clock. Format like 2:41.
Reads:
6:52
